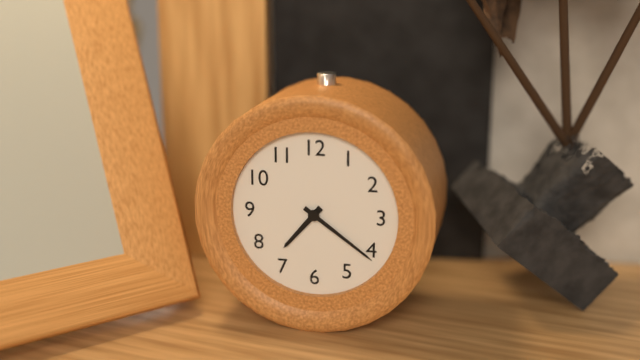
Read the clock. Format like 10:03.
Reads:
7:21
